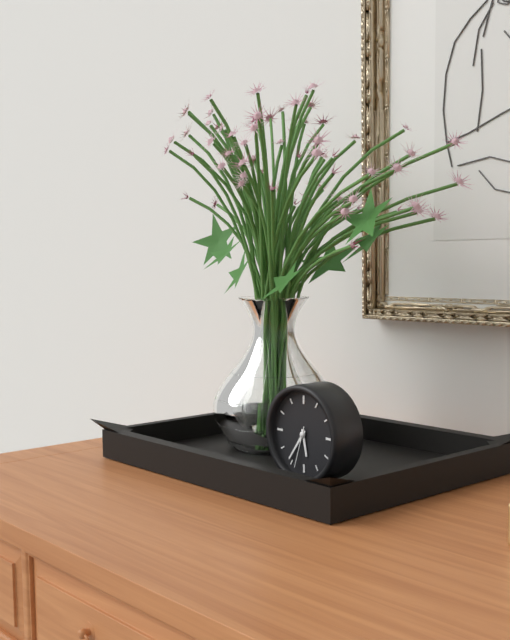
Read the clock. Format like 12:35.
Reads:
5:36
